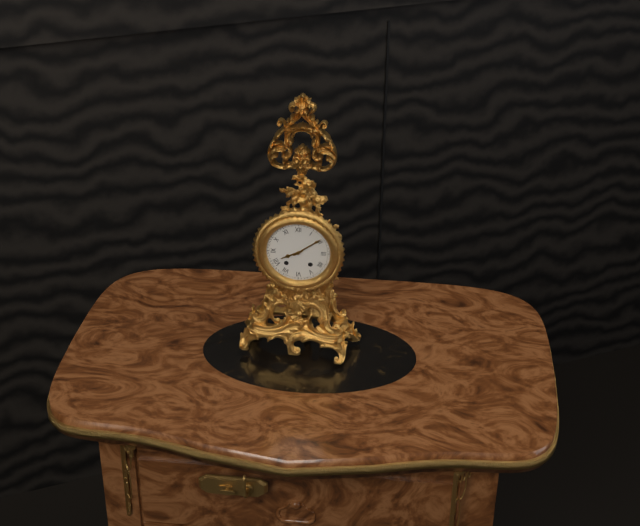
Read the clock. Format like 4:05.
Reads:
8:09
